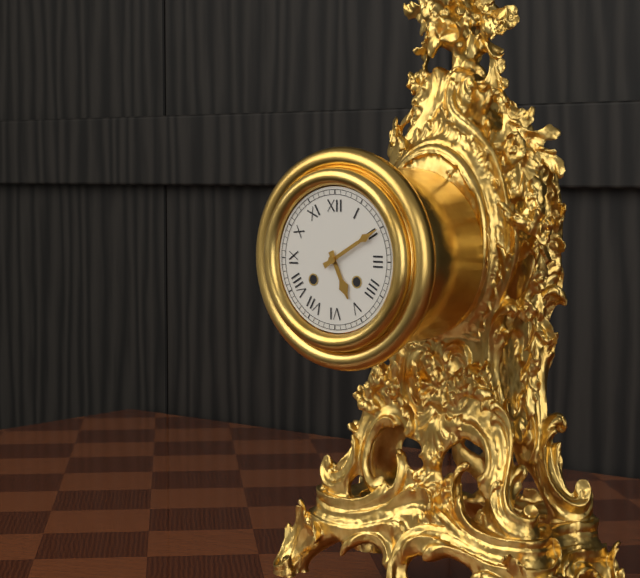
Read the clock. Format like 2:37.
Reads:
5:10
